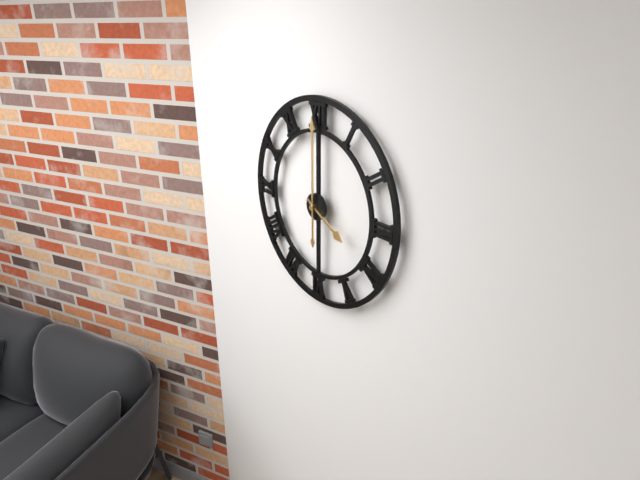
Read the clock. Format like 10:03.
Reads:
4:00
